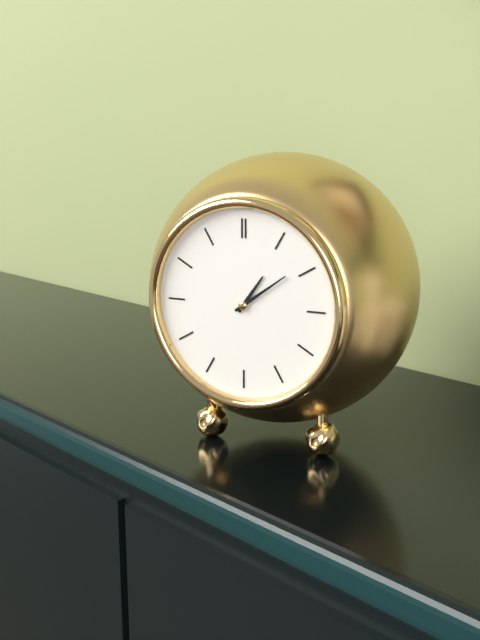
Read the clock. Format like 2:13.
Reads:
1:09
